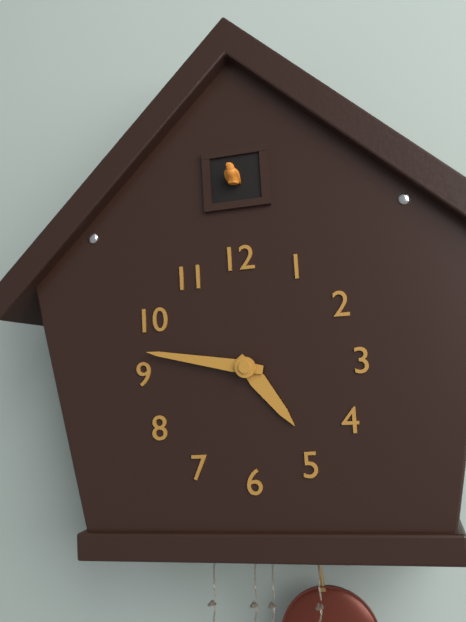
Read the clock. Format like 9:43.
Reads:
4:47
